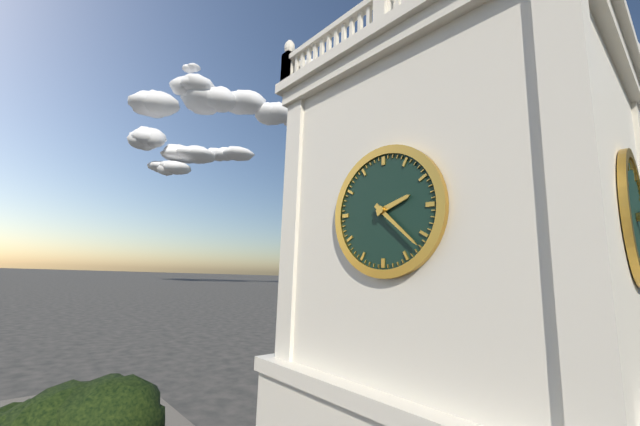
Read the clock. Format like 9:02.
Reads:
2:22
